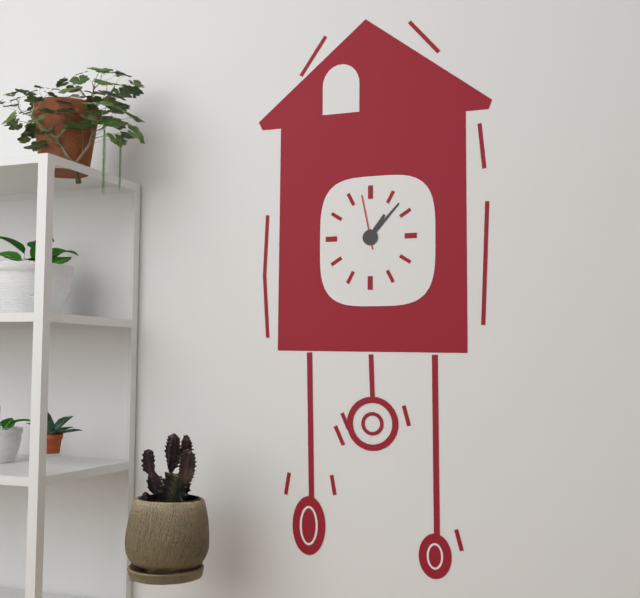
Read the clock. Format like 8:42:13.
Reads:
1:07:58
